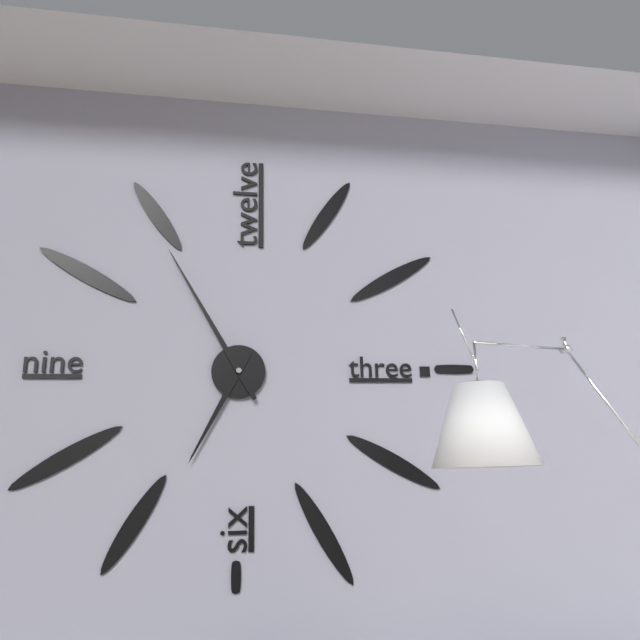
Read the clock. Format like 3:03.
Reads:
6:55
